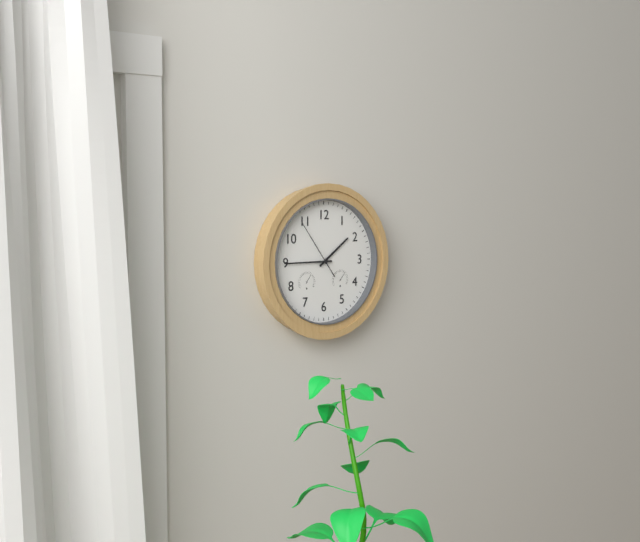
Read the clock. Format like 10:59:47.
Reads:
1:45:54
